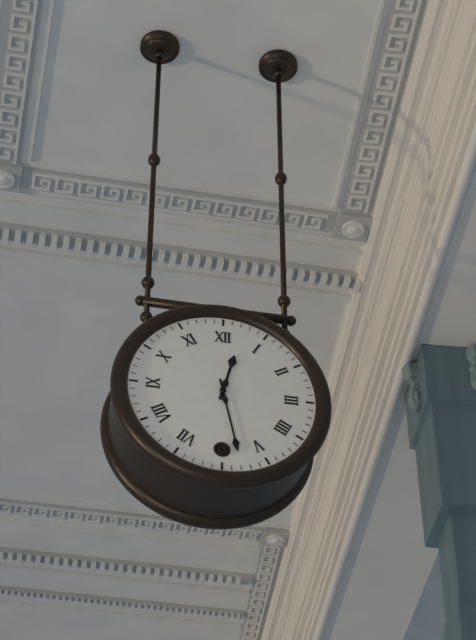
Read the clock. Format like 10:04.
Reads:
12:28
